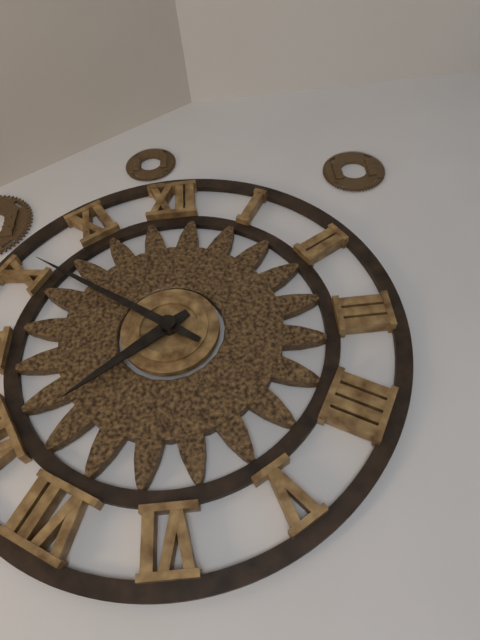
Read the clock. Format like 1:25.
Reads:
7:51
